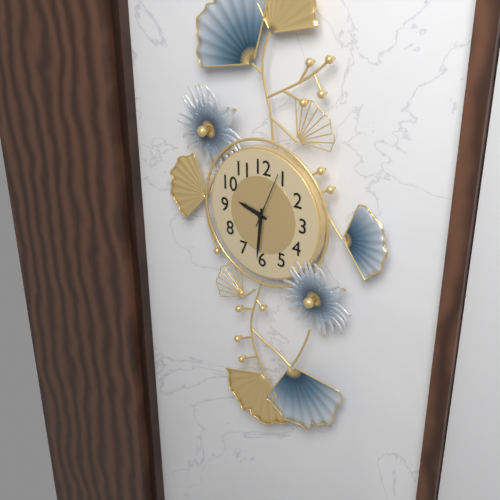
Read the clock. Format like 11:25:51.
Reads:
9:31:04
